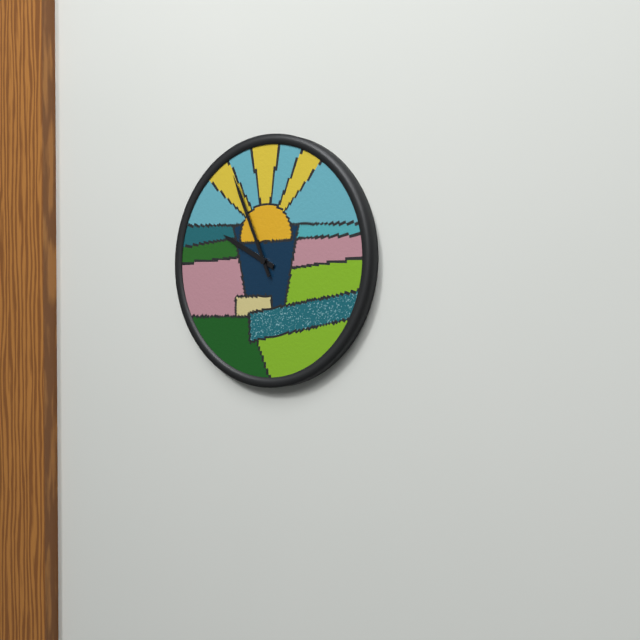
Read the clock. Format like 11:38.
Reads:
9:56
